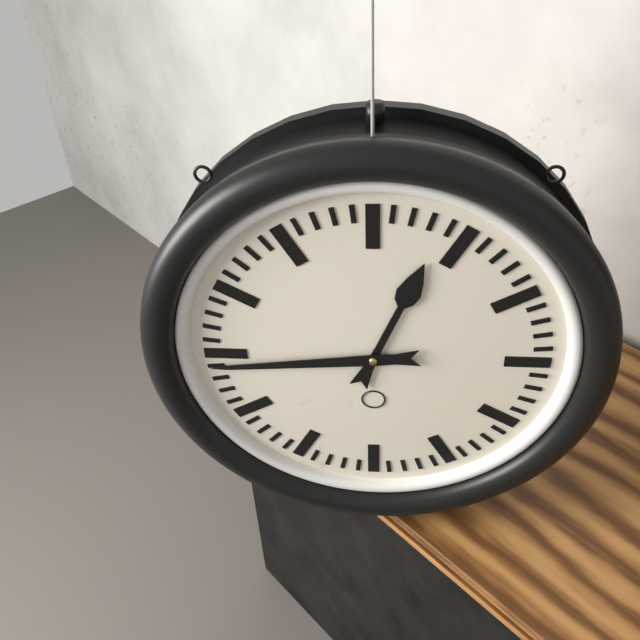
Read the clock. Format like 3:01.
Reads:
12:44
